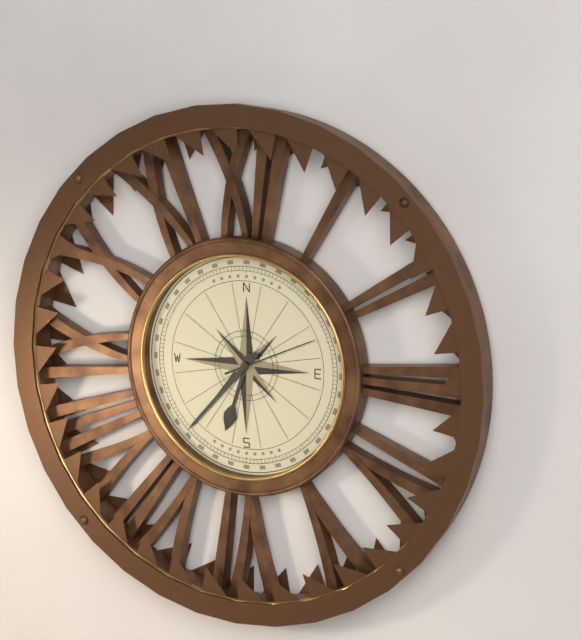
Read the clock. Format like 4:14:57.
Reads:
6:37:11
